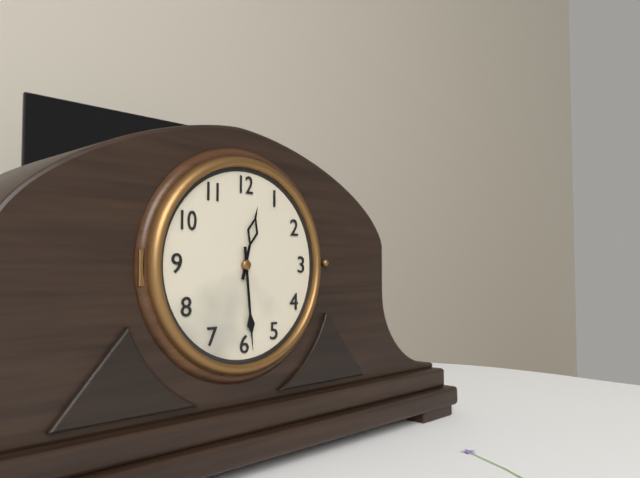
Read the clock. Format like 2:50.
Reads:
12:29
